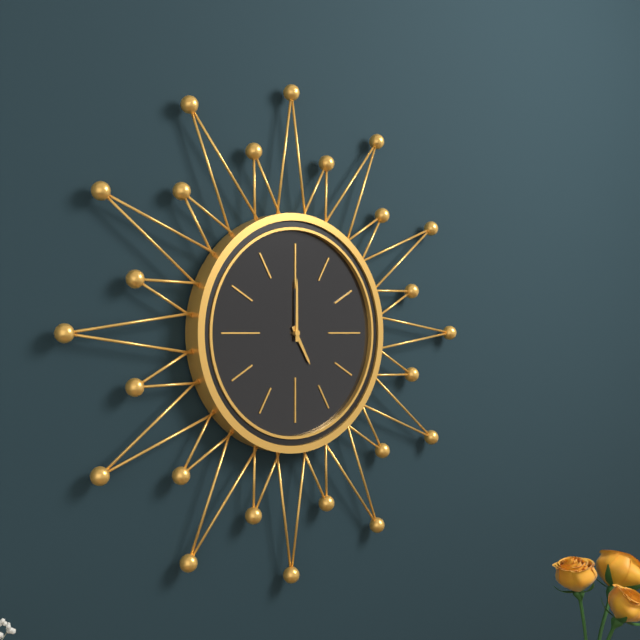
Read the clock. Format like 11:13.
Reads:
5:00
